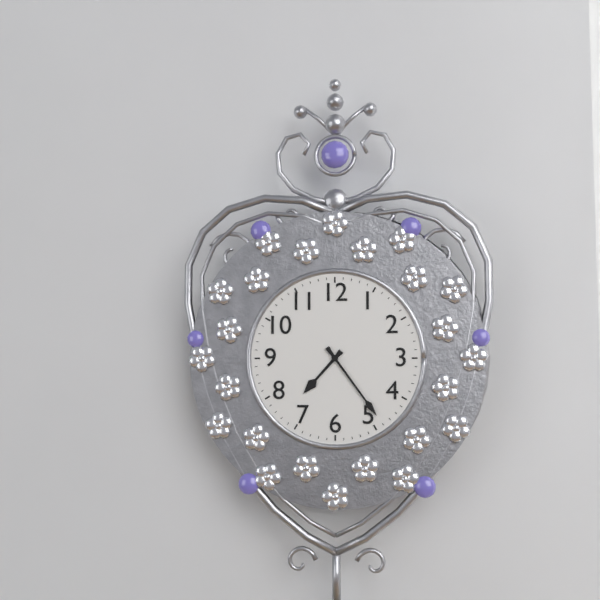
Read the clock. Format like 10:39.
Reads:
7:24
